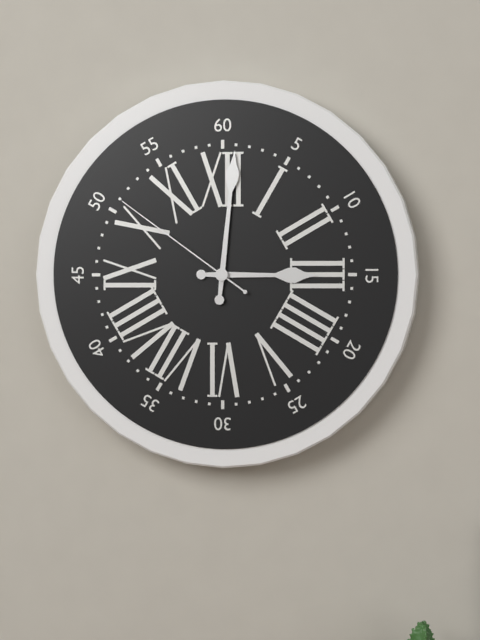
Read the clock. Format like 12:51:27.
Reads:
3:01:51
